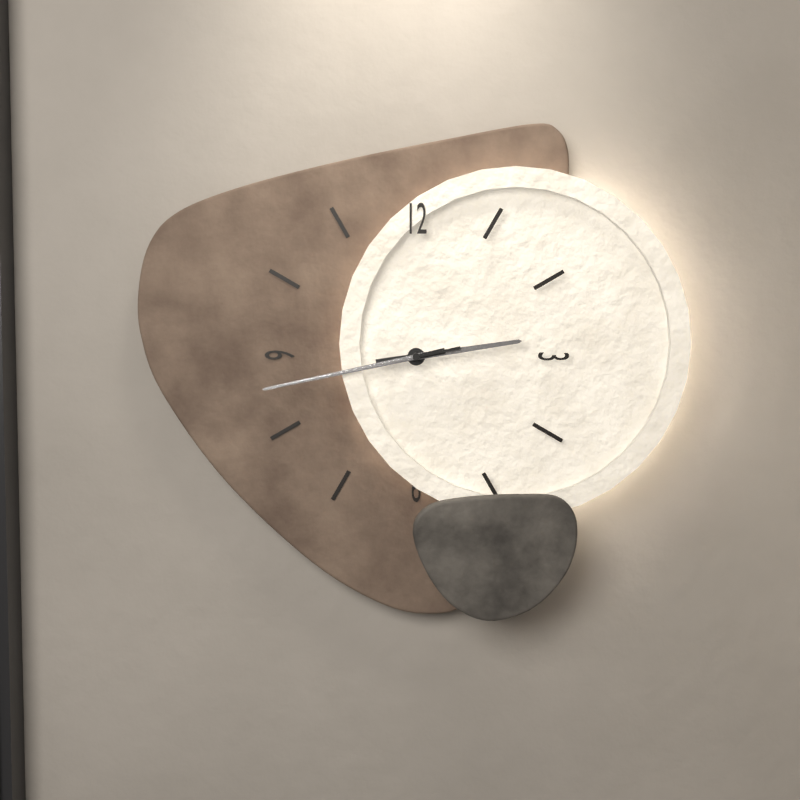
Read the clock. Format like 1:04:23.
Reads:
2:43:43
